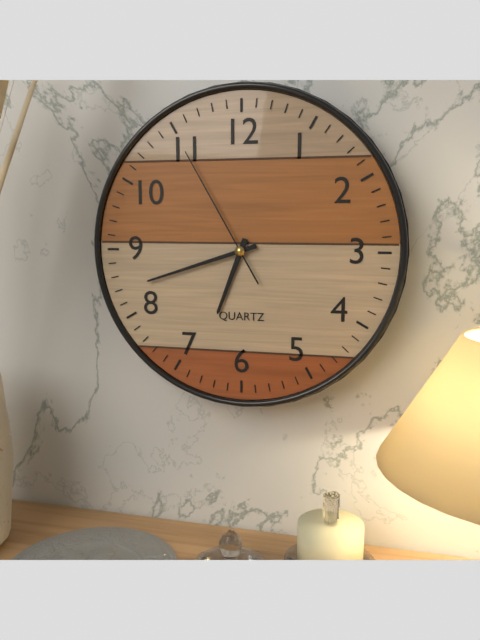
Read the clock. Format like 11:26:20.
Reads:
6:42:55
